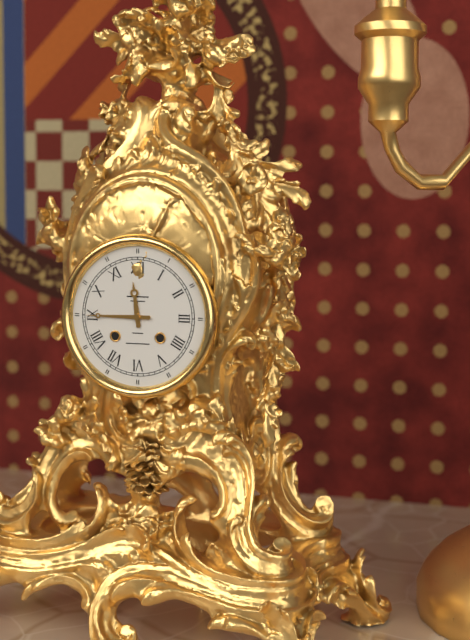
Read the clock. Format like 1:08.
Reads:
11:45
